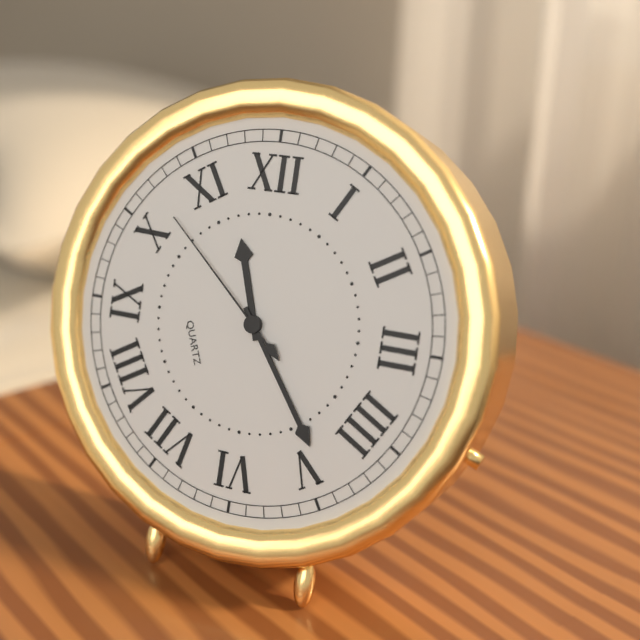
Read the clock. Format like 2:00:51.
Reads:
11:24:52
